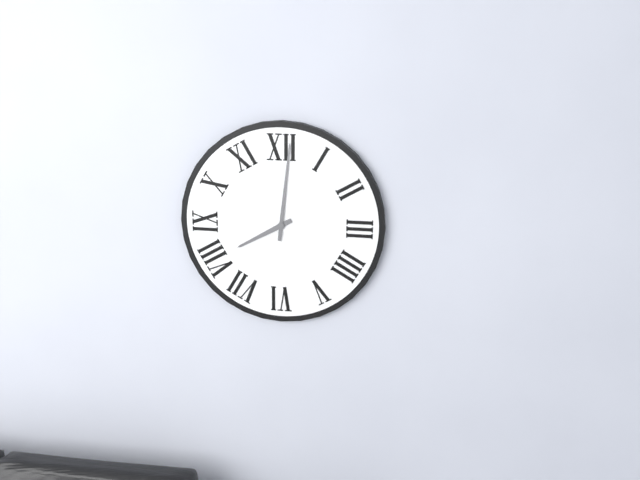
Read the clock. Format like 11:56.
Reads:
8:01
